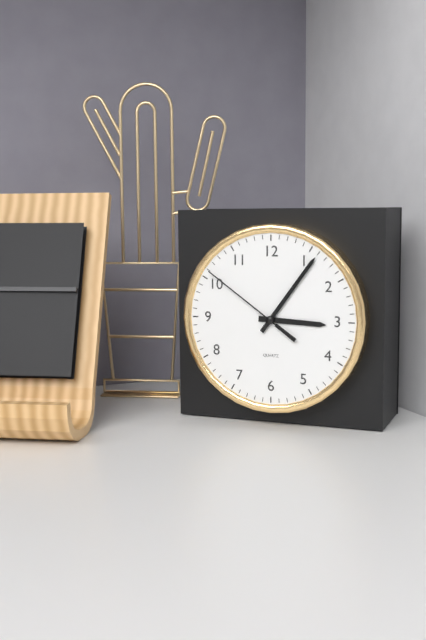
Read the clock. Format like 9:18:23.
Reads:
3:06:51
